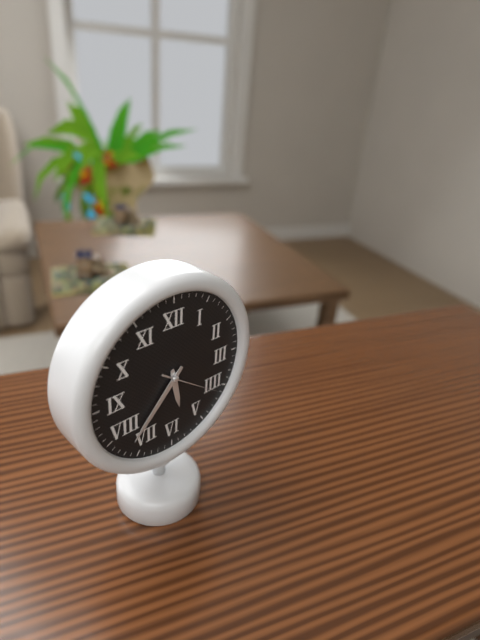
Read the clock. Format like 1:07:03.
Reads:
5:37:21
